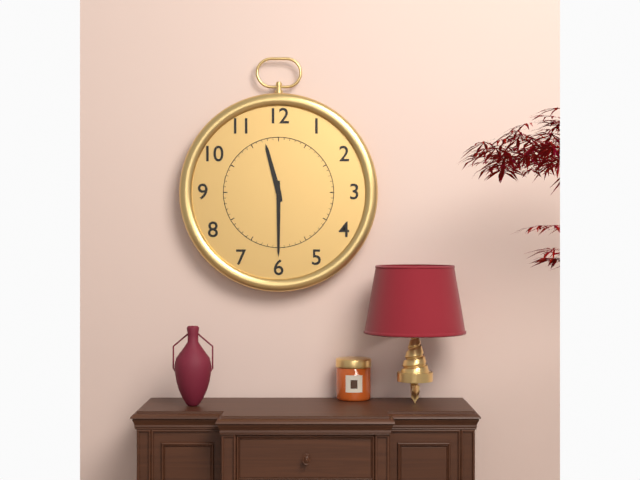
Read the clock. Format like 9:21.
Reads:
11:30
